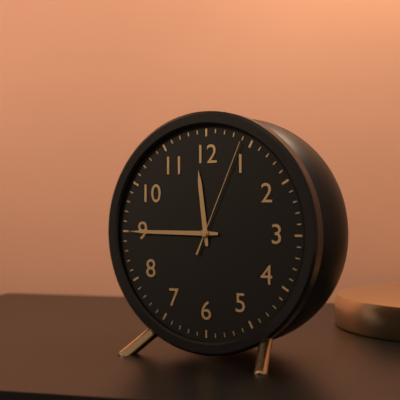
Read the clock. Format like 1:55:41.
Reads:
11:45:04
